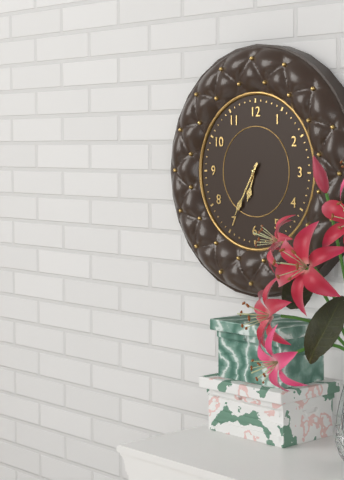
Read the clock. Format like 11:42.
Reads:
6:35
